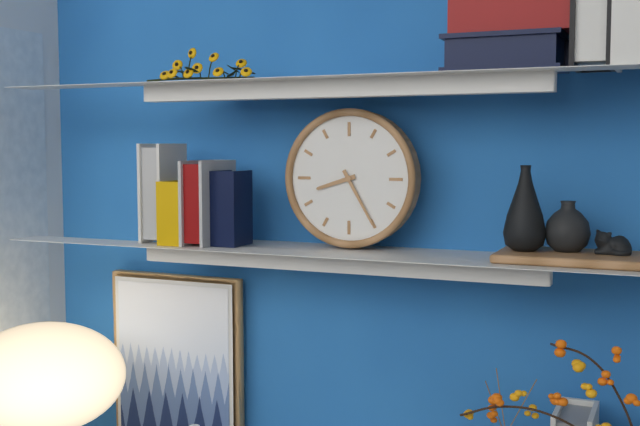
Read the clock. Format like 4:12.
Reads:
8:25
